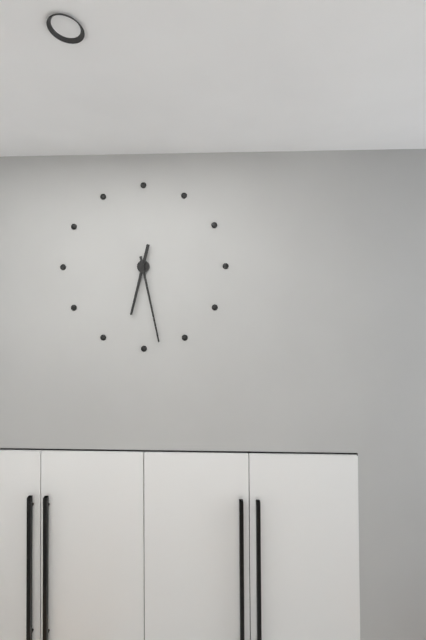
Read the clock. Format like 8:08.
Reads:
6:28
